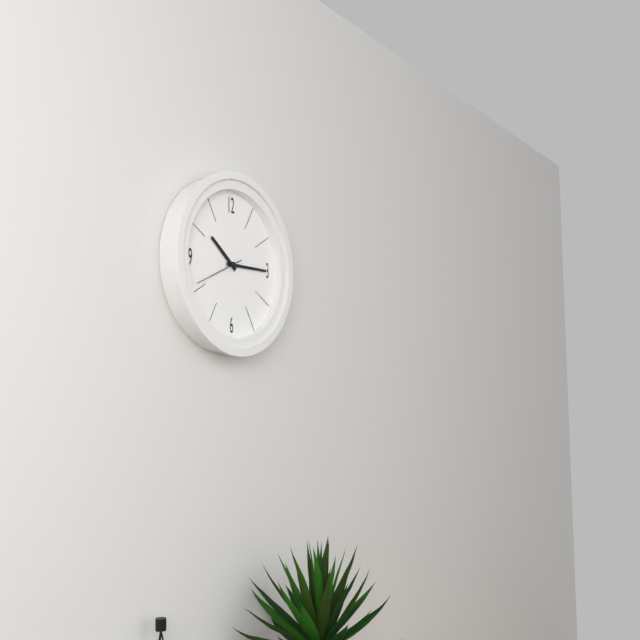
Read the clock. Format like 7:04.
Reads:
10:15
